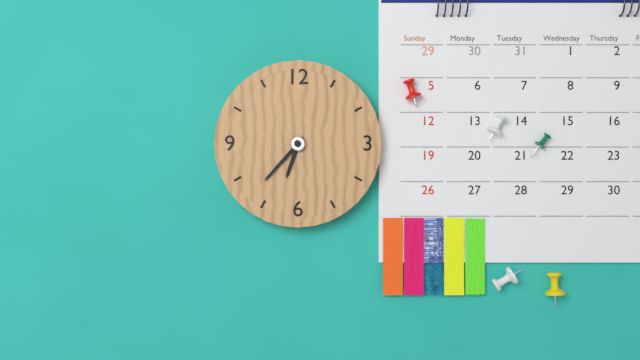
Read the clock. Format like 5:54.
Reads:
6:37
